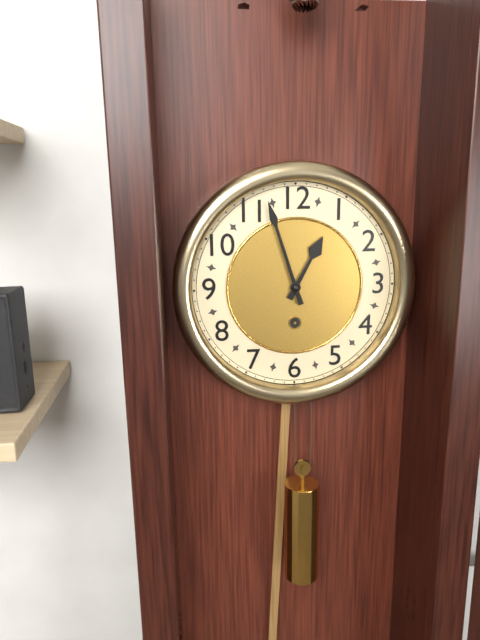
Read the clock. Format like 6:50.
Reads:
12:57
